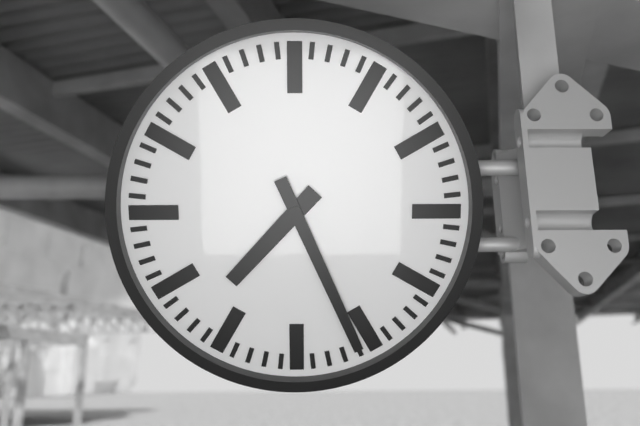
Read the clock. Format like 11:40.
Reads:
7:26
